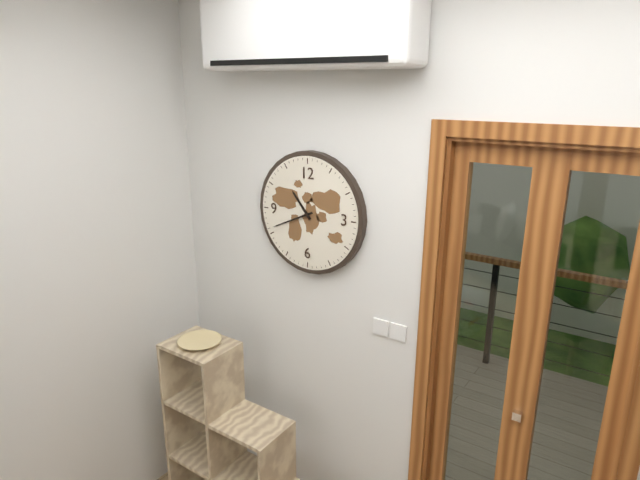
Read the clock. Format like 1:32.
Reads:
10:41
